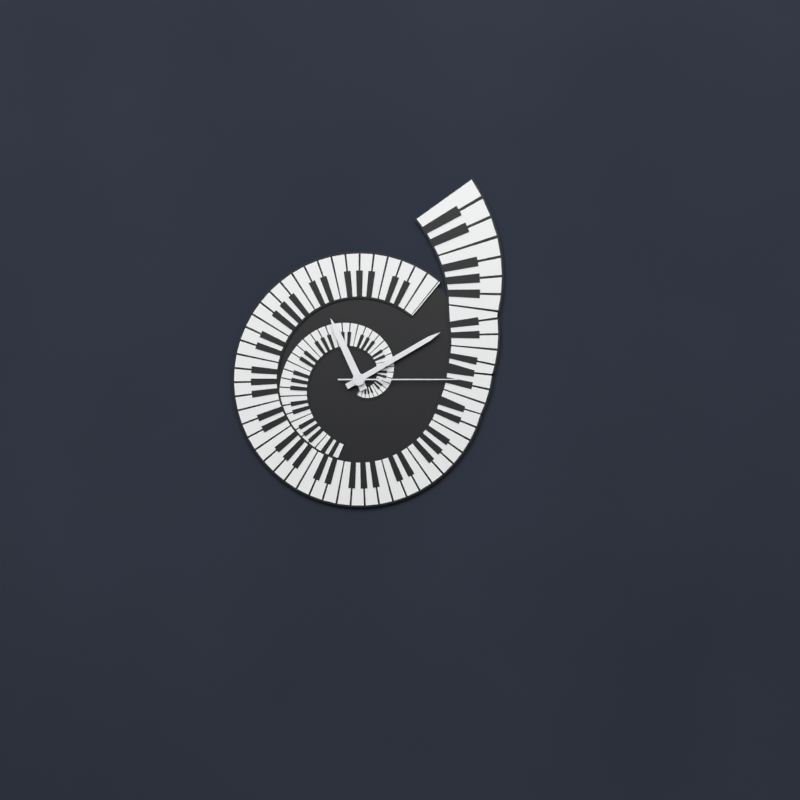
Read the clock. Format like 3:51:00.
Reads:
11:10:15
